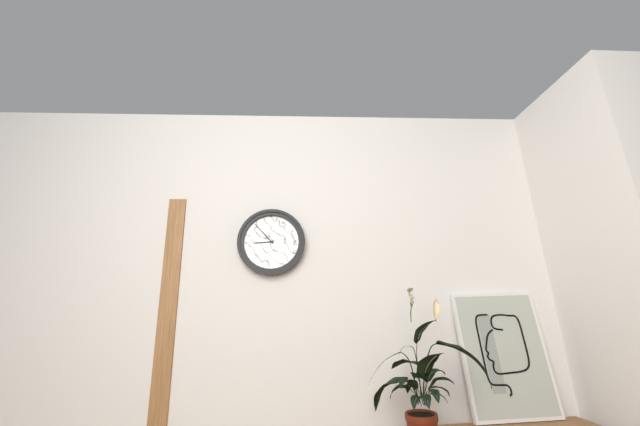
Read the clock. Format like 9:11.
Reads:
8:53
